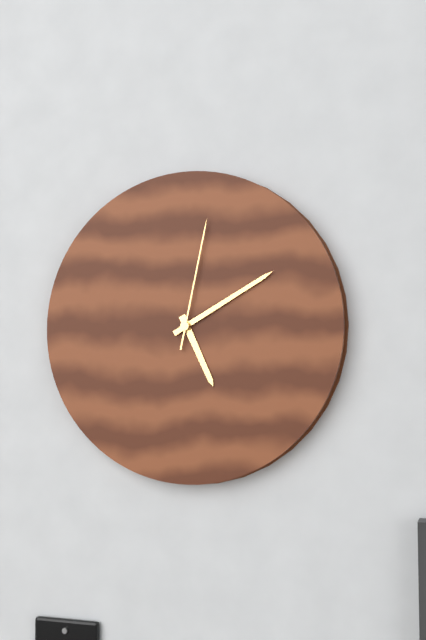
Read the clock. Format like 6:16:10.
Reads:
5:10:02
